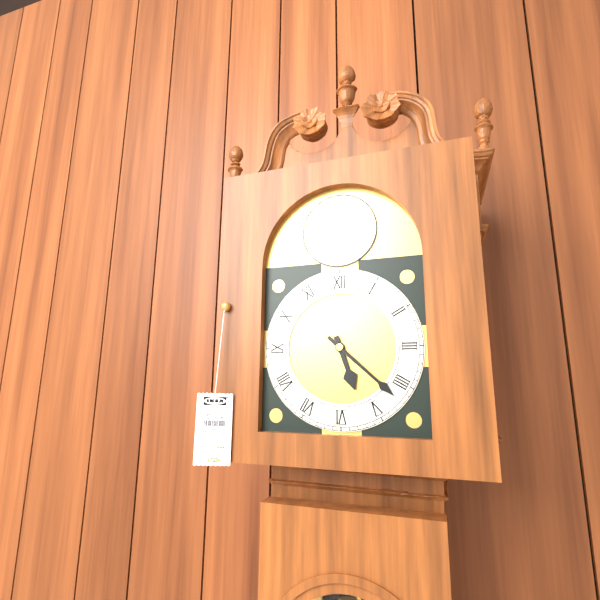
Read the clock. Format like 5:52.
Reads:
5:22
